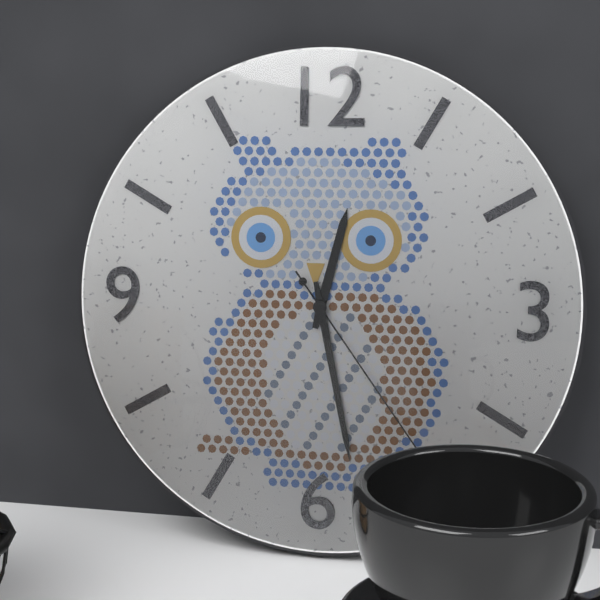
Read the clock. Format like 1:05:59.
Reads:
12:28:24
